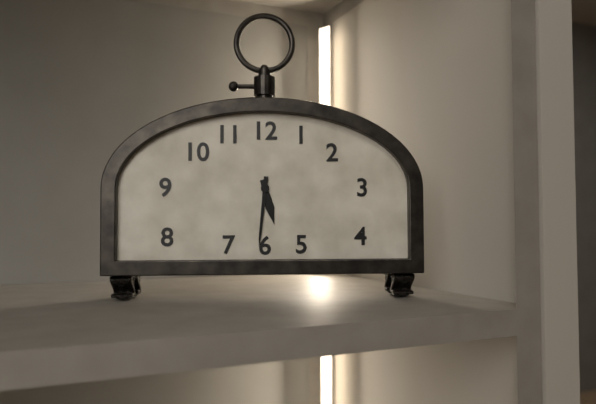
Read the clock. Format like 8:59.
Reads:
5:31
